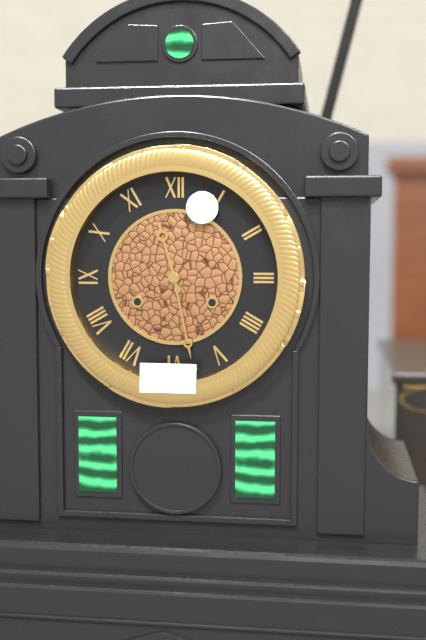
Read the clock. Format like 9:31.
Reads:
11:28
